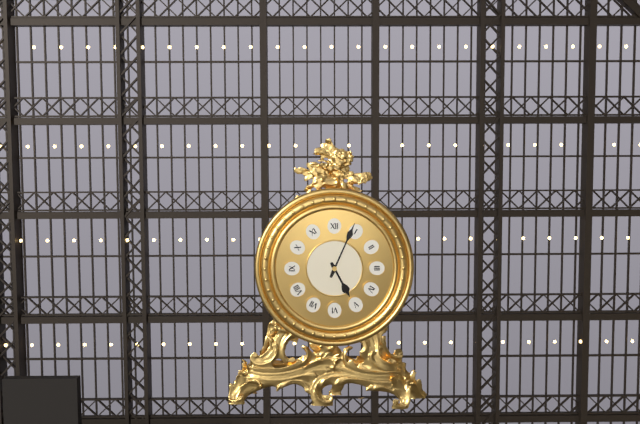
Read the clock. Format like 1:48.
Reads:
5:04
